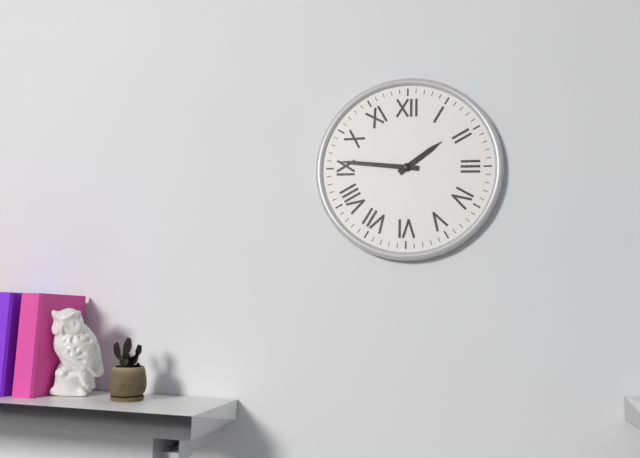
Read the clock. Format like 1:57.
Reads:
1:46
